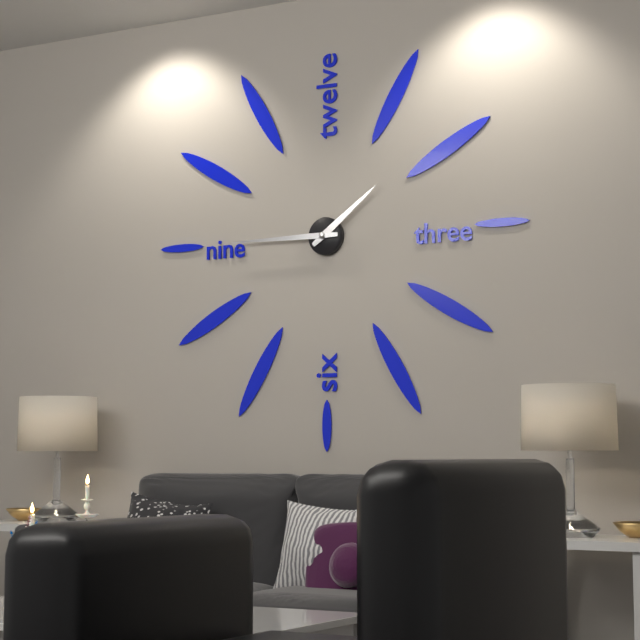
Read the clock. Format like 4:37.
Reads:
1:45
